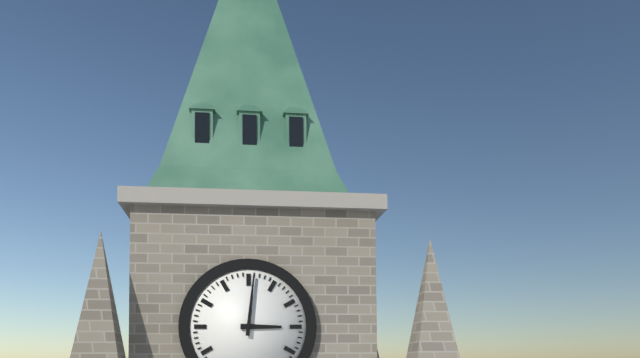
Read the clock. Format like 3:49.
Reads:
3:01
